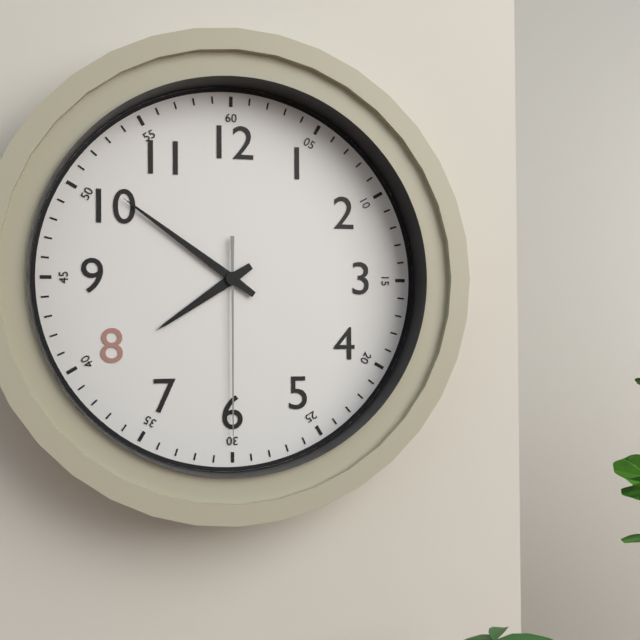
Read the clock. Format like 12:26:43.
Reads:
7:51:30
